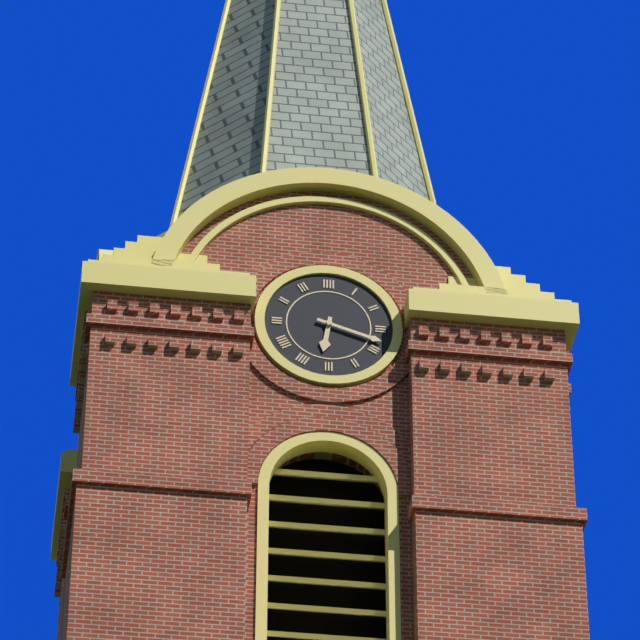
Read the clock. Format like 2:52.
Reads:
6:18
